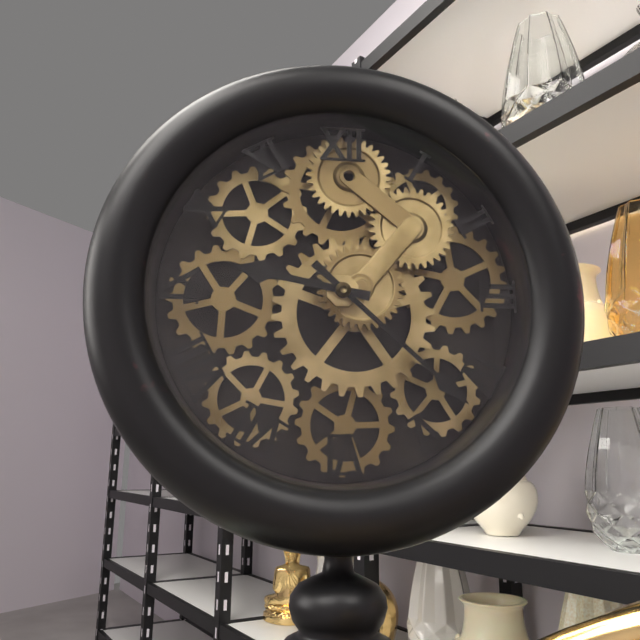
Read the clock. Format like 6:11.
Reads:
9:22
